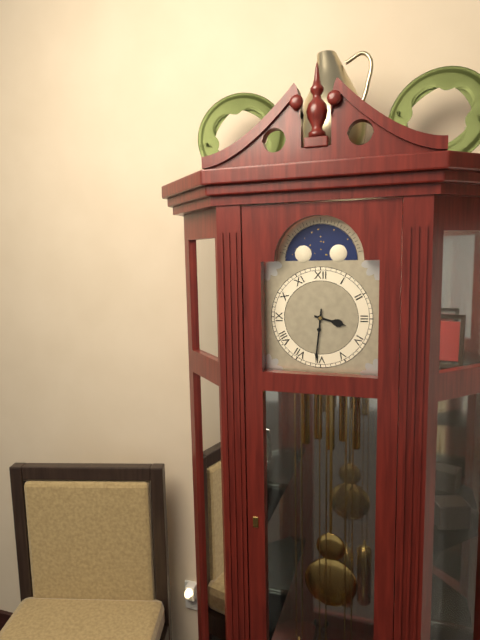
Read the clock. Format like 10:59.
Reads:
3:31
